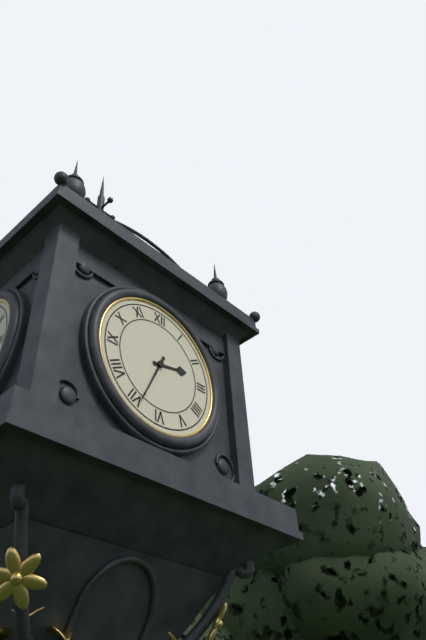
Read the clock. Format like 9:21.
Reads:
2:34
